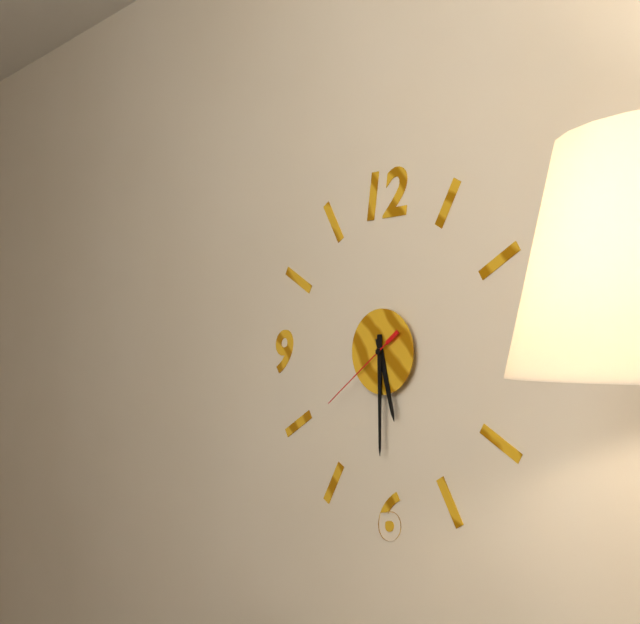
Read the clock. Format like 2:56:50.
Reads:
5:30:39
